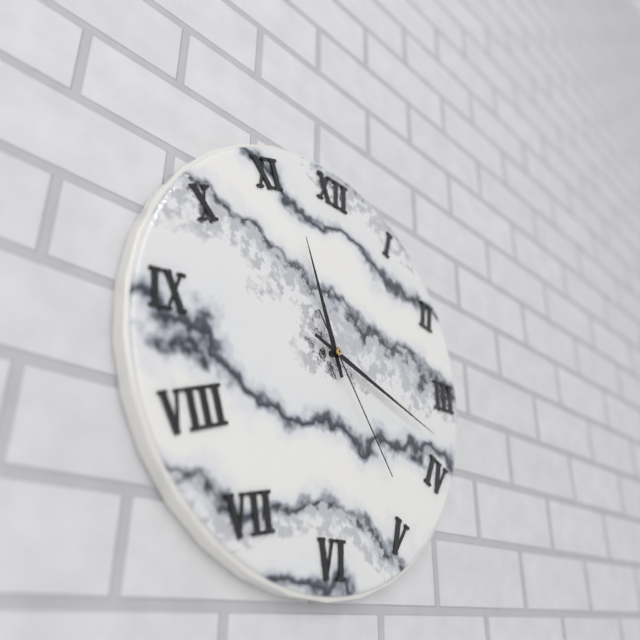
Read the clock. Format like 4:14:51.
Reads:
11:18:24
